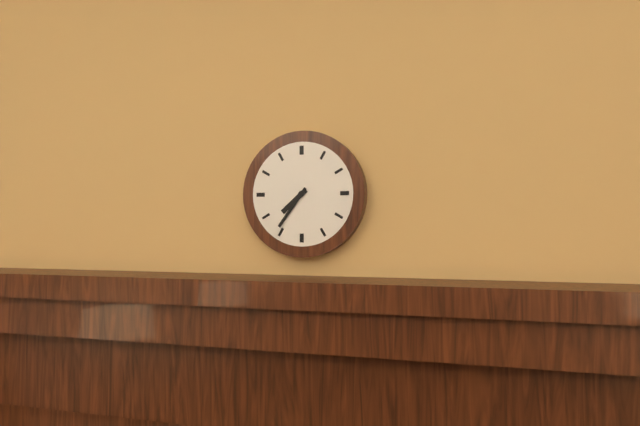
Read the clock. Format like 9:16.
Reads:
7:36
